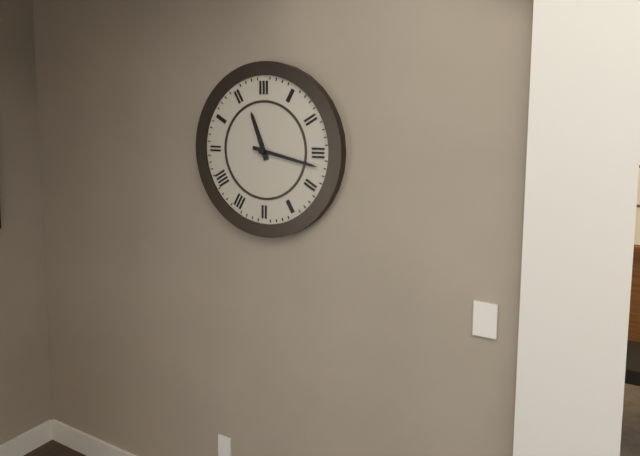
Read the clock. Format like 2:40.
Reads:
11:17
